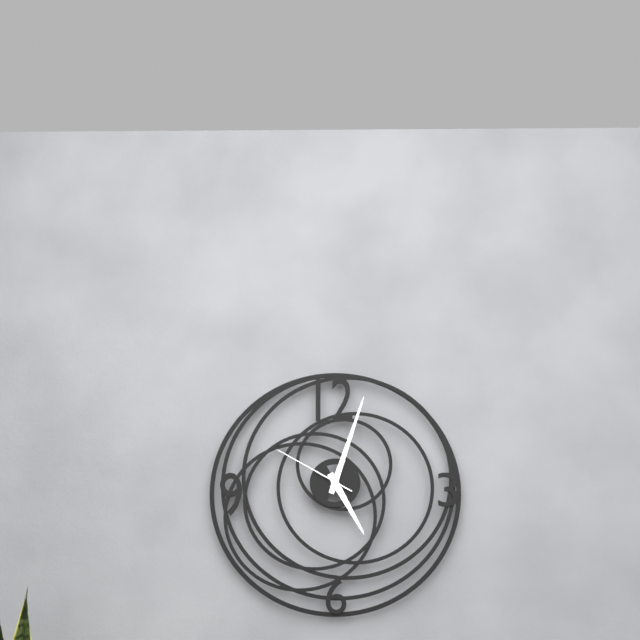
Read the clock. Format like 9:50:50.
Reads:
5:03:50
